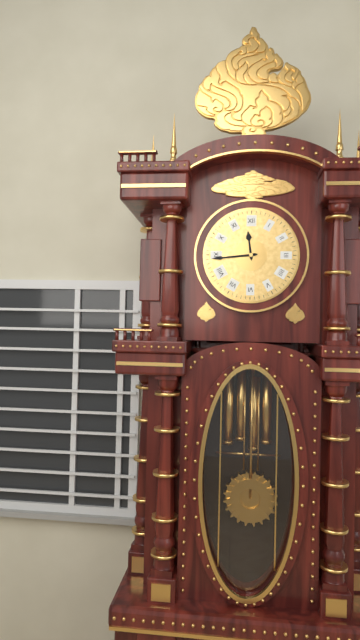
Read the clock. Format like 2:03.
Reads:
11:44
